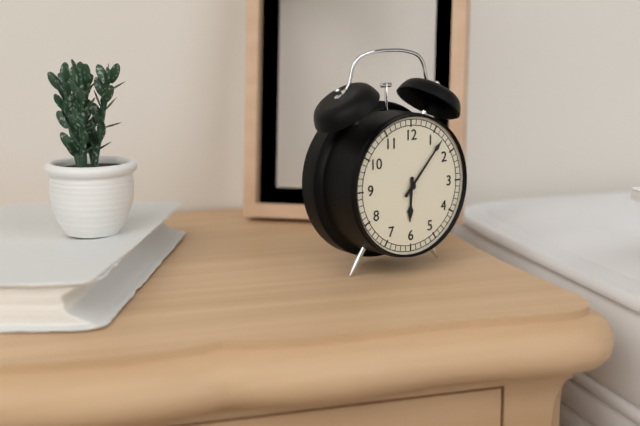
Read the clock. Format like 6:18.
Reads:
6:07
